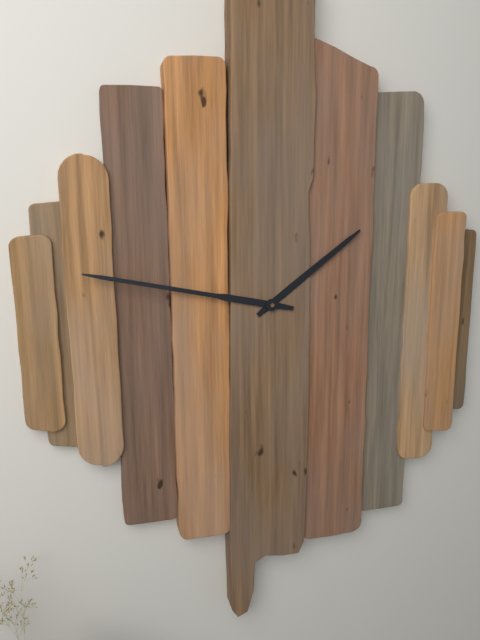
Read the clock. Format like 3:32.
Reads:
1:47
